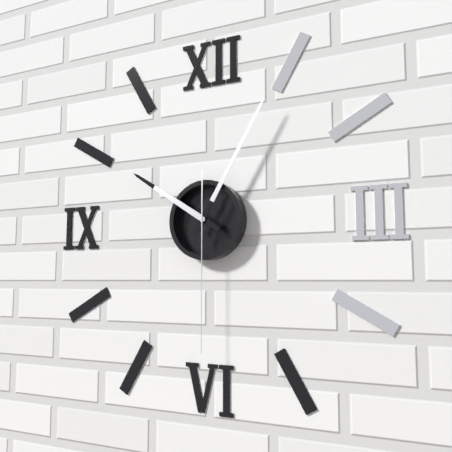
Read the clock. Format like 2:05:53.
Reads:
10:05:30
